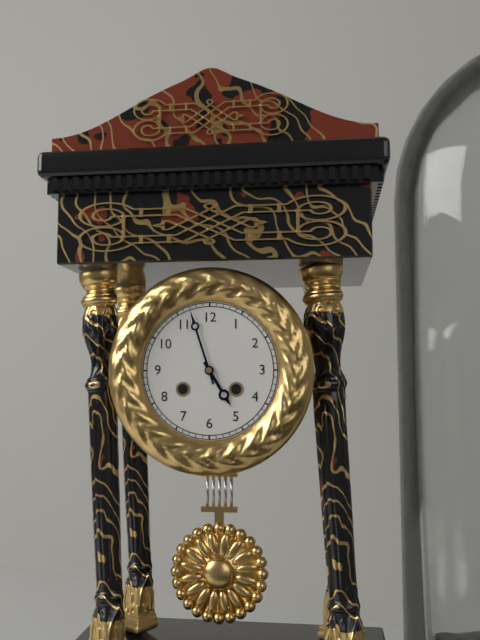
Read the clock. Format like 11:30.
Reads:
4:57
